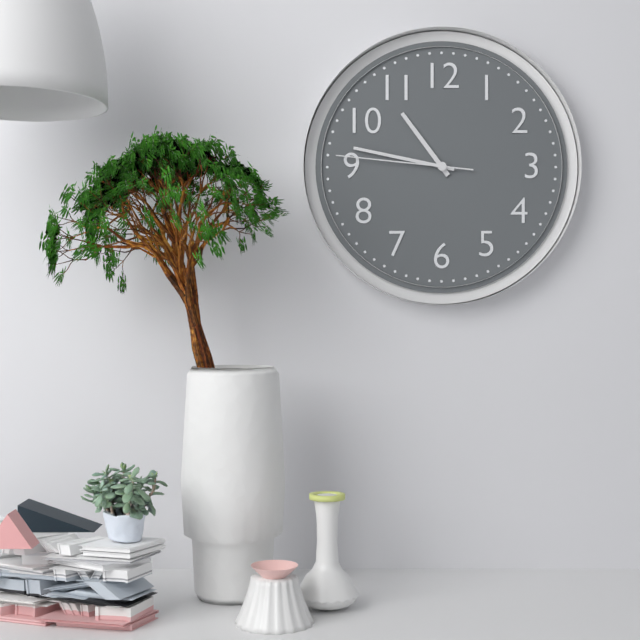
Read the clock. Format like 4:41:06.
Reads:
10:47:46
